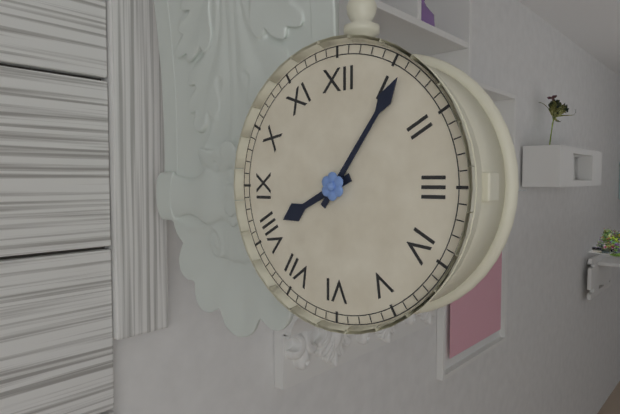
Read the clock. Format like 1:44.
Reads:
8:06
